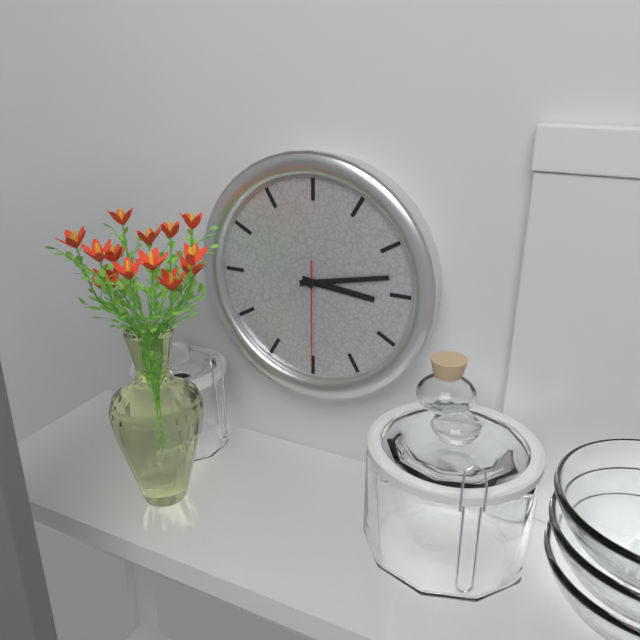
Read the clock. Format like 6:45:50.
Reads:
3:13:30
